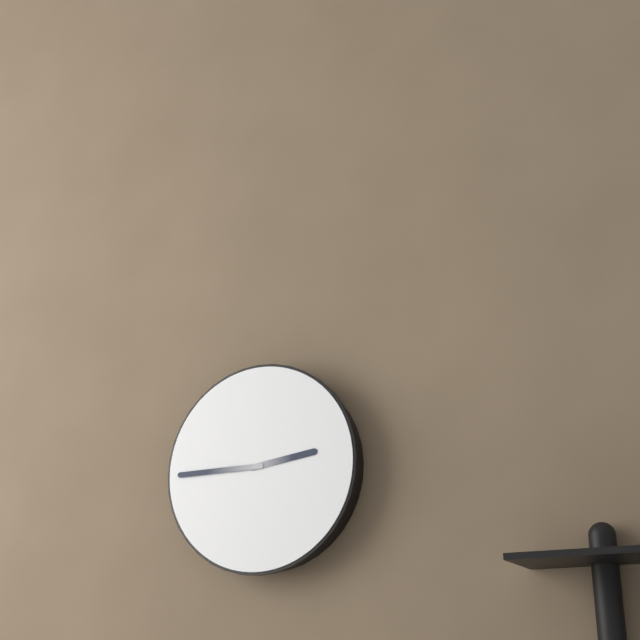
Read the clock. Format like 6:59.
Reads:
2:45
